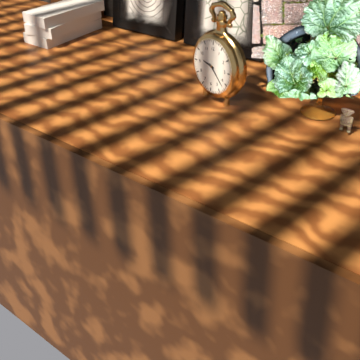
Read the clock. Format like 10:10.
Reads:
9:22
